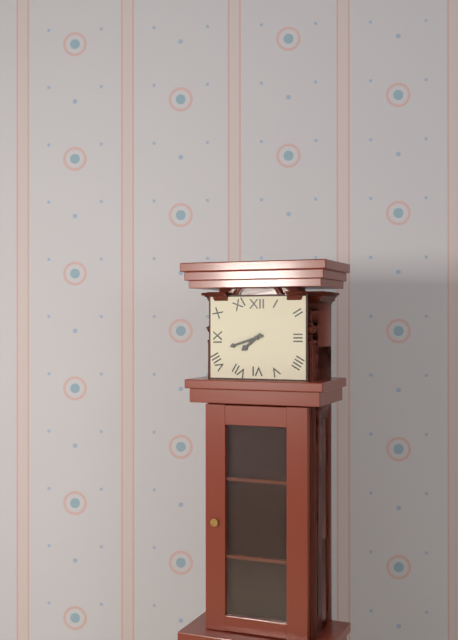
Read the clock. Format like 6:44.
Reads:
7:42
